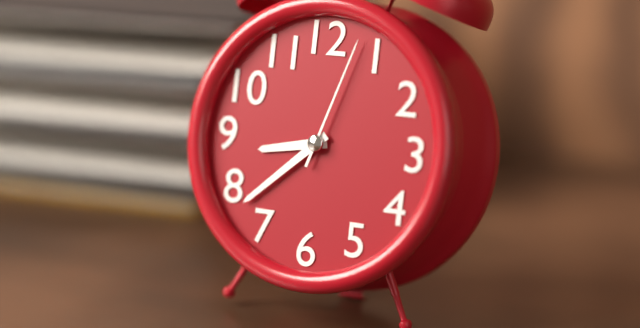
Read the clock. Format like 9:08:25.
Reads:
8:38:03
